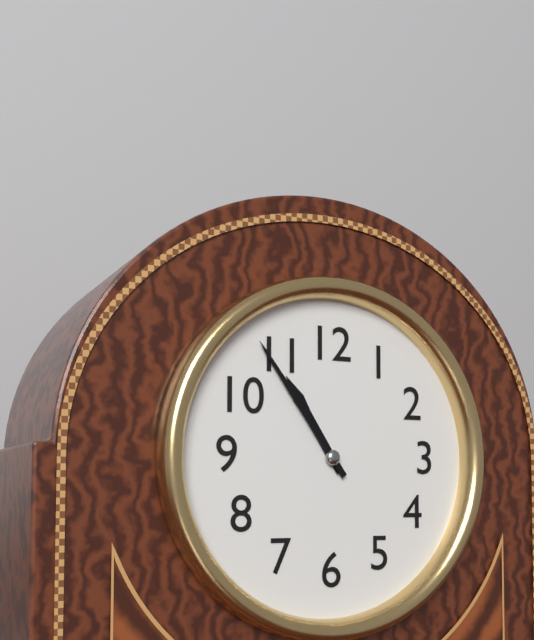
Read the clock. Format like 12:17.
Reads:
10:54
